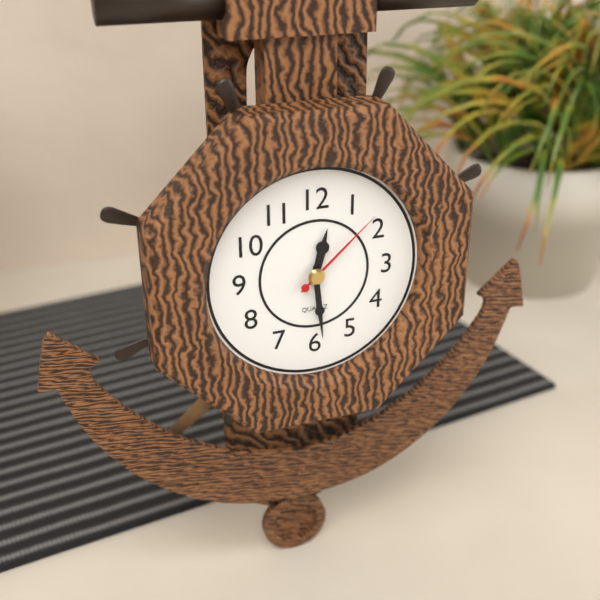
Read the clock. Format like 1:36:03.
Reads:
12:29:08
